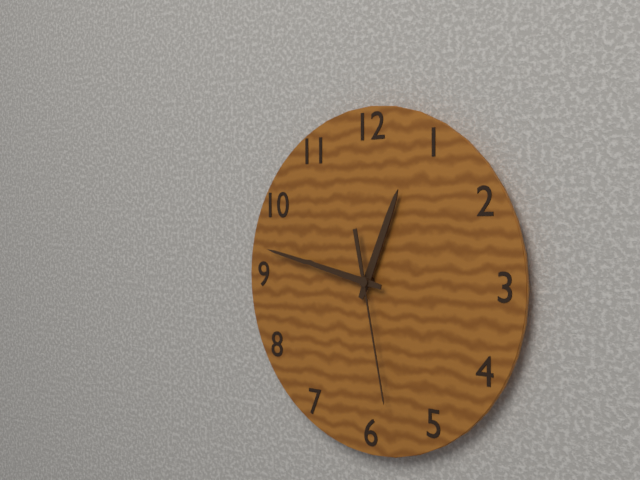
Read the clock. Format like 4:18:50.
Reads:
12:47:28
